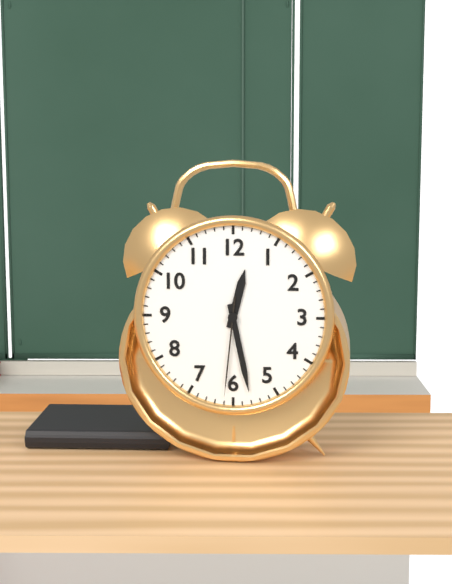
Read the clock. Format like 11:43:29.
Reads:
12:28:31
